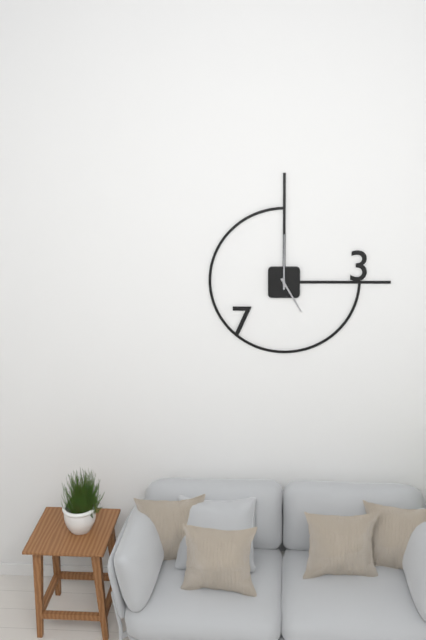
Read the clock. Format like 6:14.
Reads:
5:00
